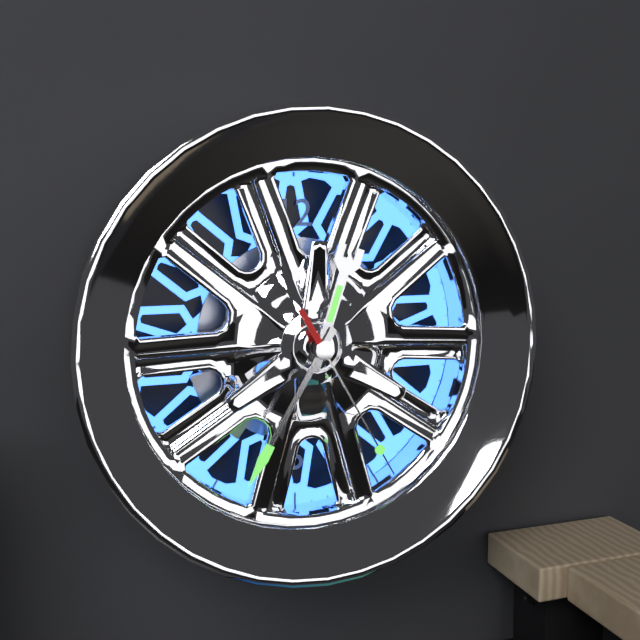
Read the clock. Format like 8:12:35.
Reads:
12:35:25
